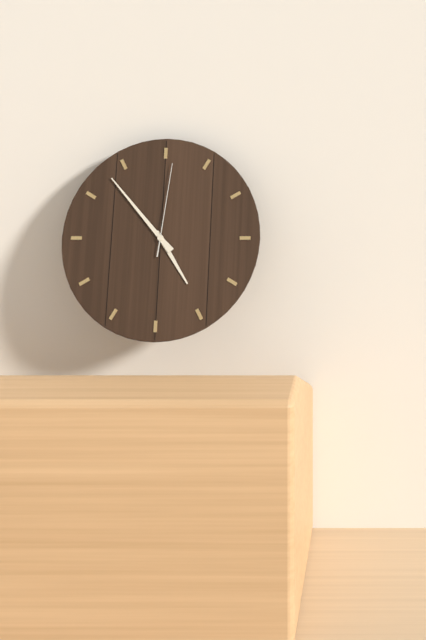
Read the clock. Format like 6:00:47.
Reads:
4:53:01
